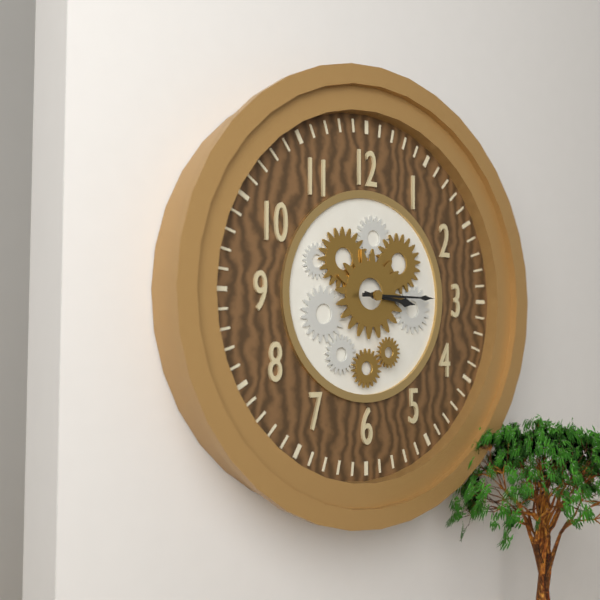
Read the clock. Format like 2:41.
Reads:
3:15
